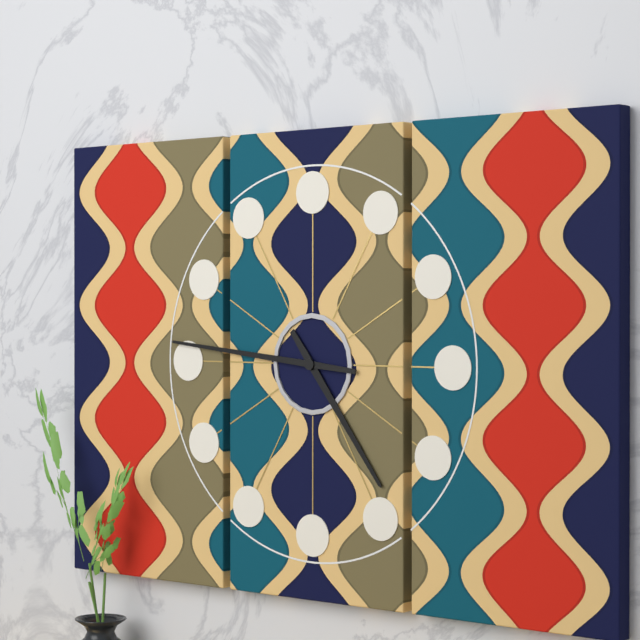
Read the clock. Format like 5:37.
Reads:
4:46
